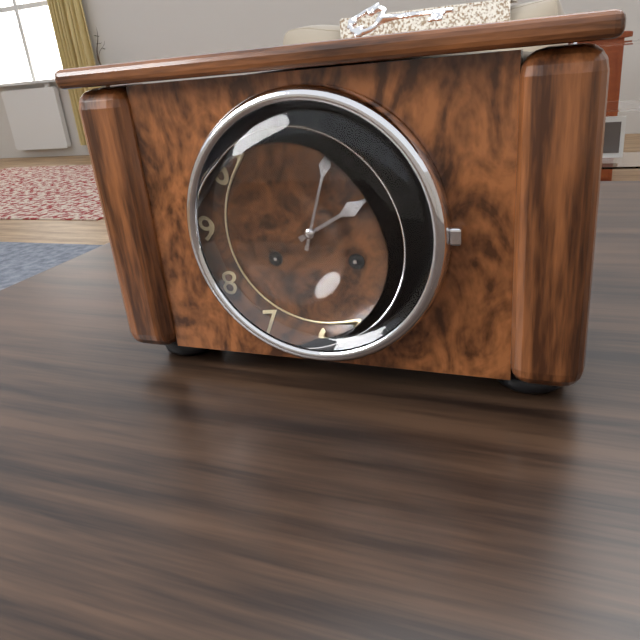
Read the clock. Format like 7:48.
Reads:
2:03
